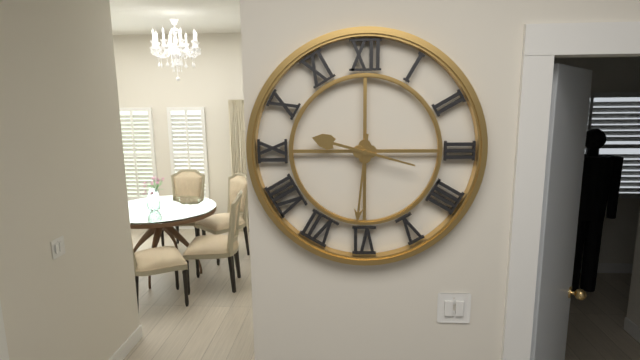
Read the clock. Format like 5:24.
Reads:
9:31
